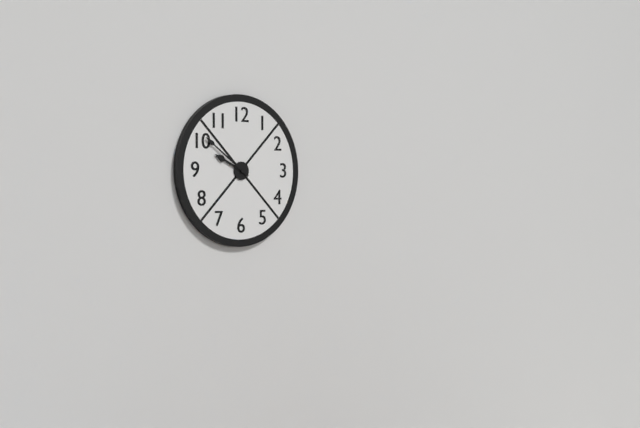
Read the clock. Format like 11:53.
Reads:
9:51
